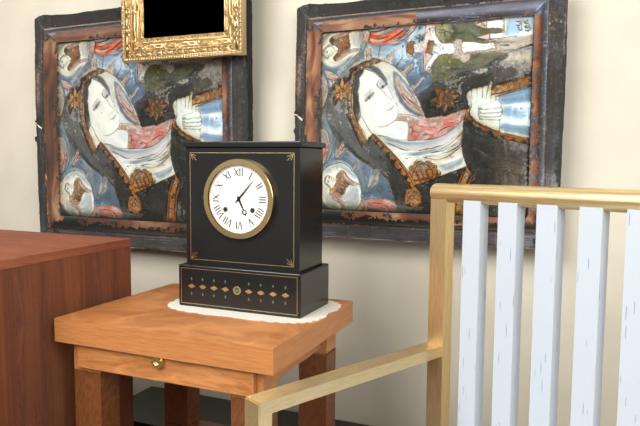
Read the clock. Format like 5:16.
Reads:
5:07
